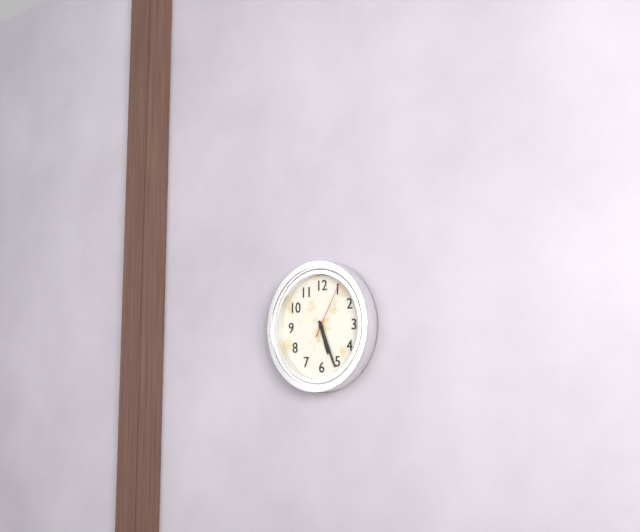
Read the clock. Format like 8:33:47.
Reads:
5:26:05
